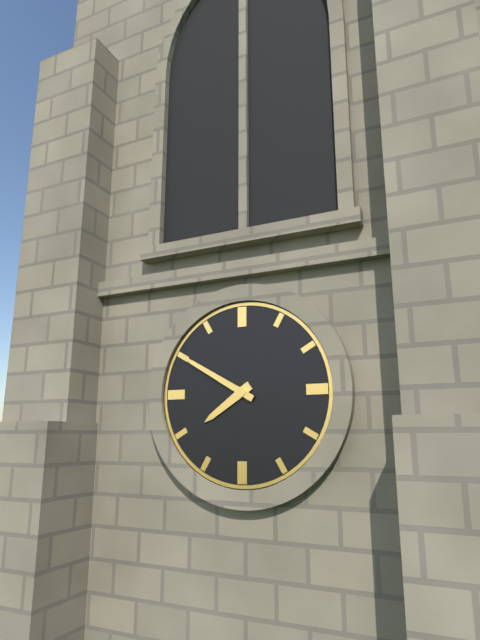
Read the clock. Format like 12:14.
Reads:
7:50
